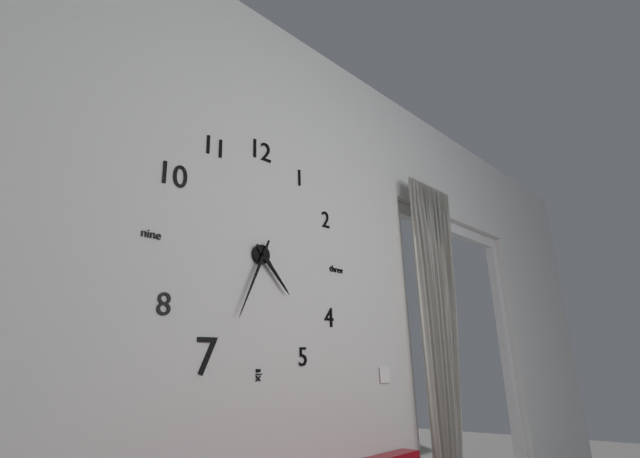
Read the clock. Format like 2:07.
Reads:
4:34
